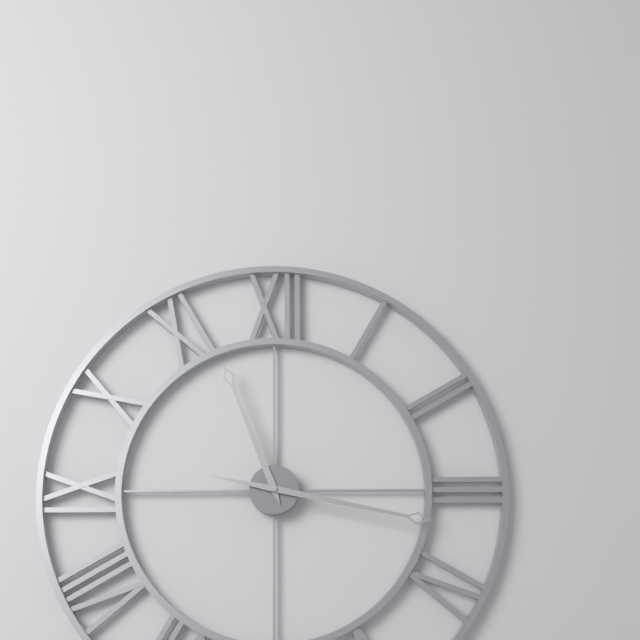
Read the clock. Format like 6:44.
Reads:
11:17
